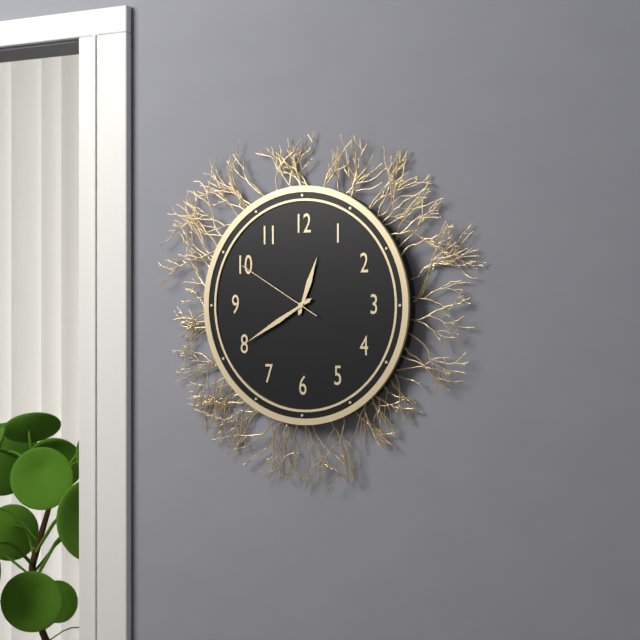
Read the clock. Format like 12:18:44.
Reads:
12:40:50
